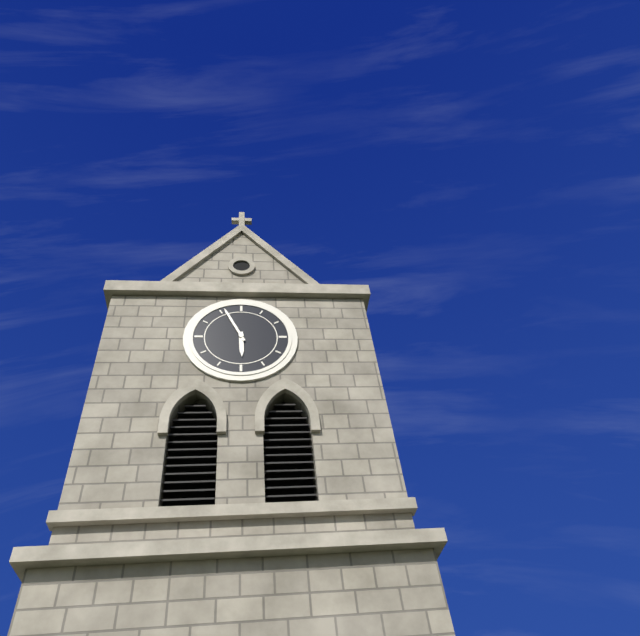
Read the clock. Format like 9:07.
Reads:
5:56
